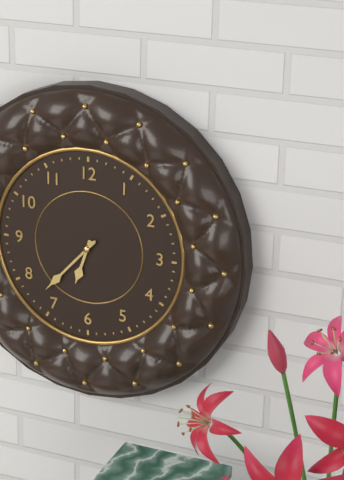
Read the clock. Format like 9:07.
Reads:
6:37
